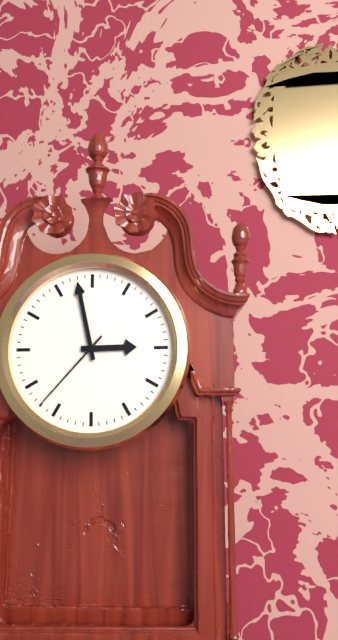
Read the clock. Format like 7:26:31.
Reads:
2:58:37
